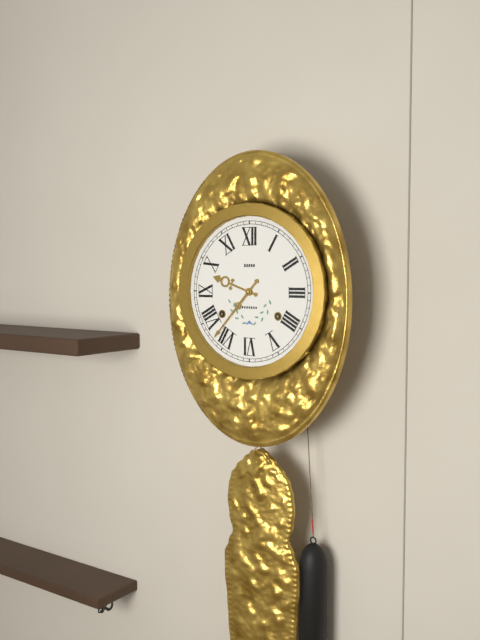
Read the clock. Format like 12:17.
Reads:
9:37
